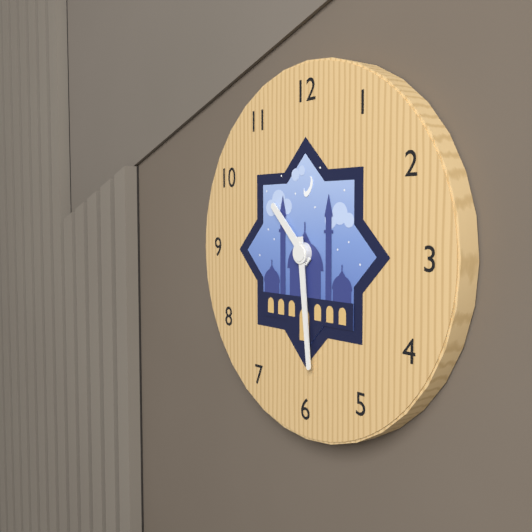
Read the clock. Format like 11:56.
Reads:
10:29
